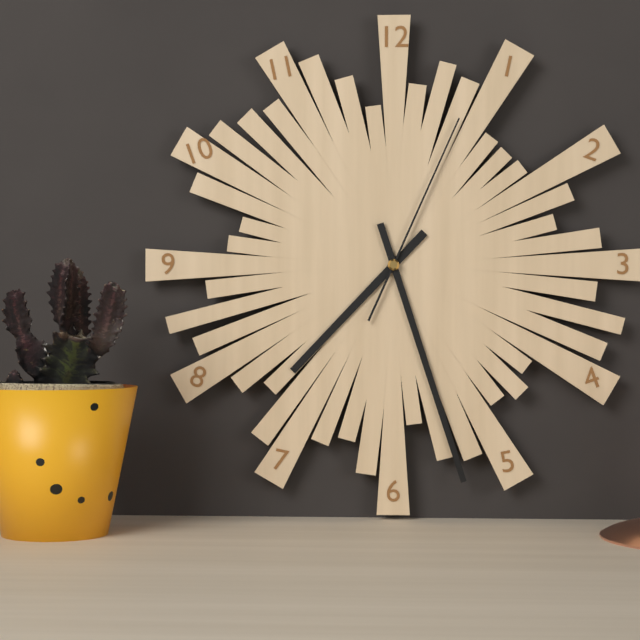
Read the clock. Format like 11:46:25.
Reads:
7:27:04
